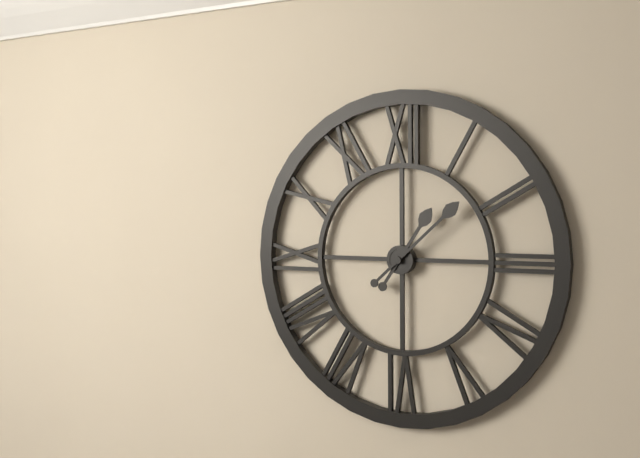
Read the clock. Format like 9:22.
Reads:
1:08
